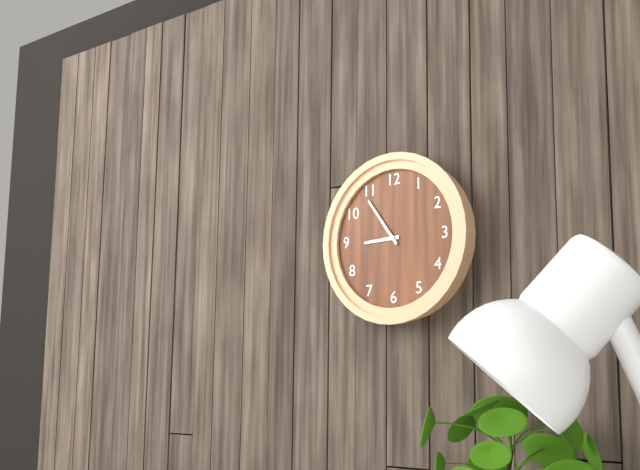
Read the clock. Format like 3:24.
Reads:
8:54
